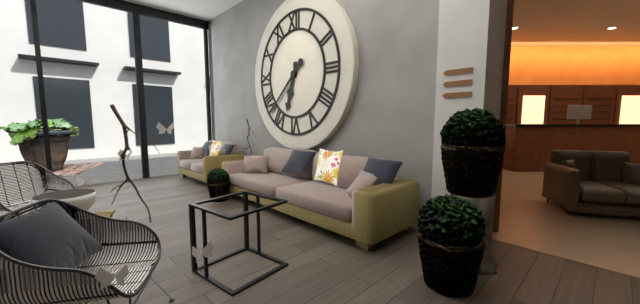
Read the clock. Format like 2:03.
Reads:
6:38
